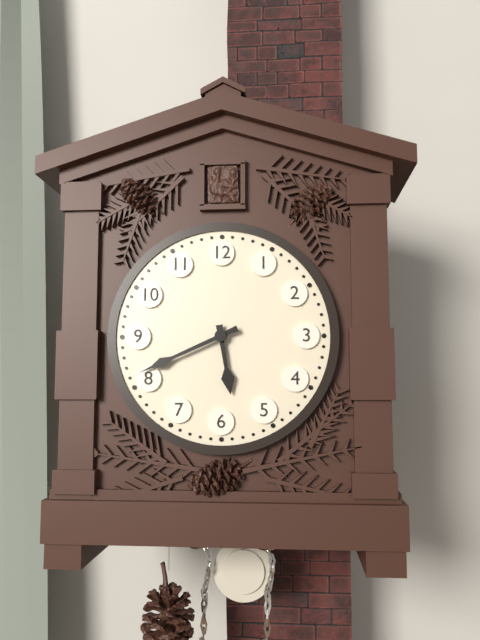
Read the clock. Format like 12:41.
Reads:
5:41
